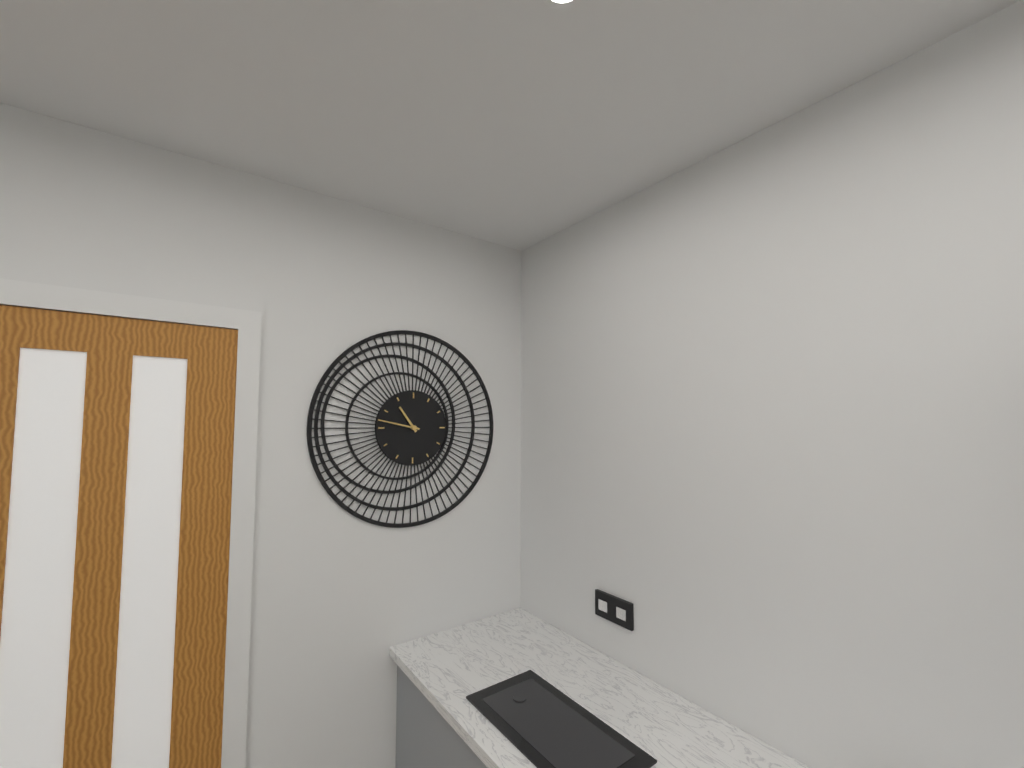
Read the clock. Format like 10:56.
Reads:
10:47
